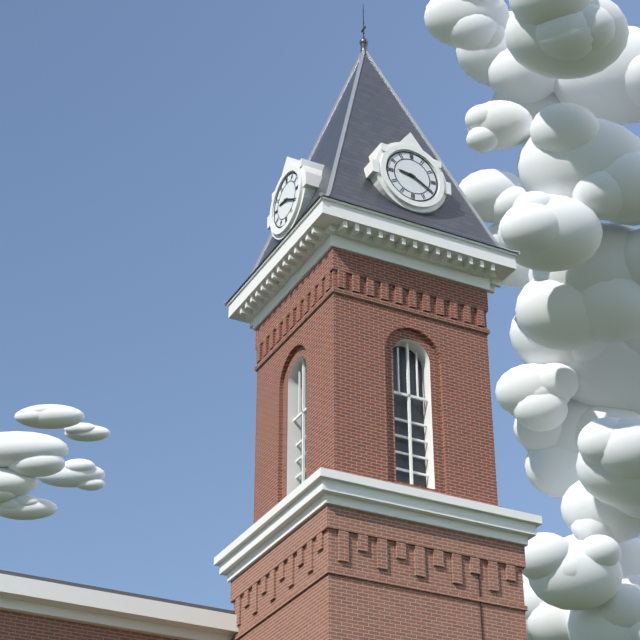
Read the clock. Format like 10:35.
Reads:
9:20
